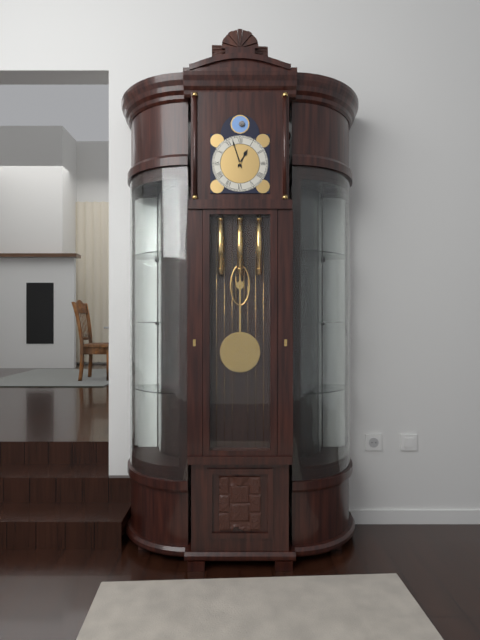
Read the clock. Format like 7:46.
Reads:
12:57
